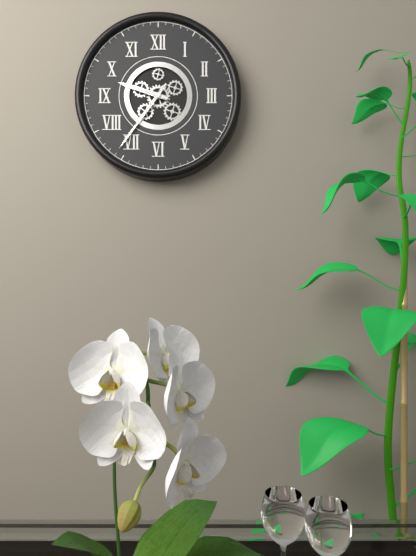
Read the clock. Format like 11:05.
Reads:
9:36
